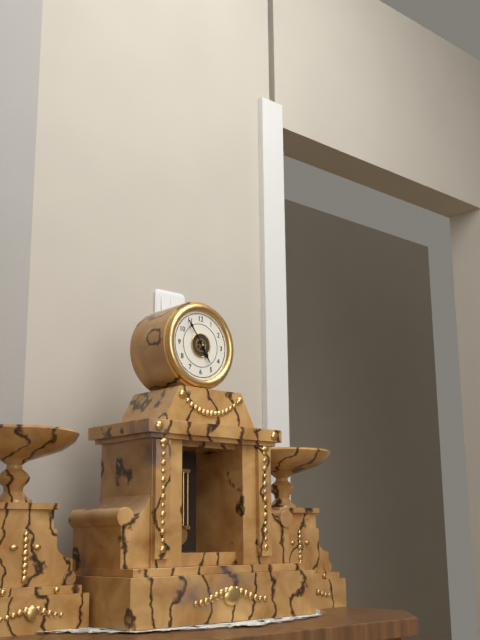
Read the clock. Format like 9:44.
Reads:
4:54
